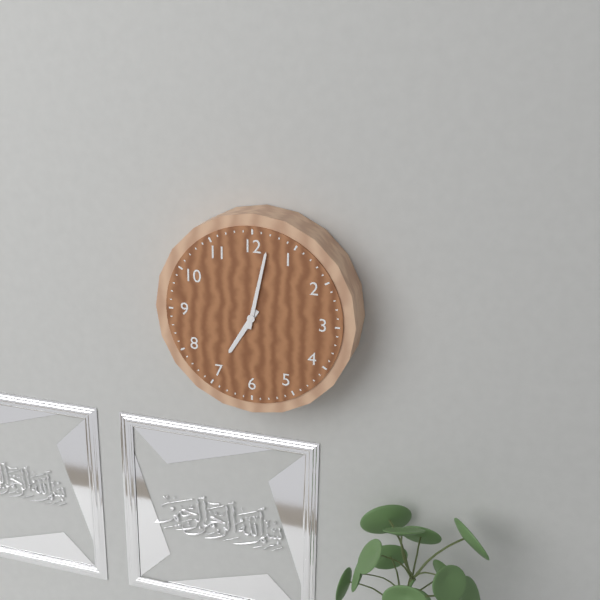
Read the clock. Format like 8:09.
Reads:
7:02
